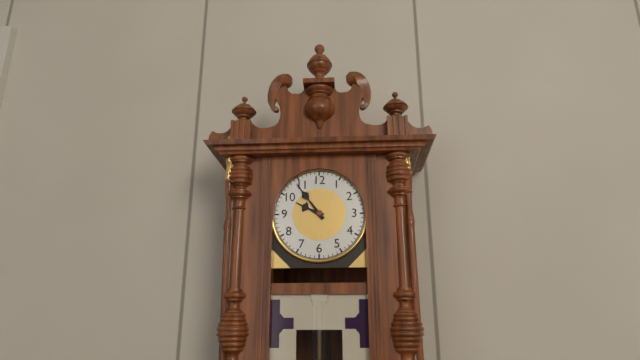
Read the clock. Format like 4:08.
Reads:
9:54
